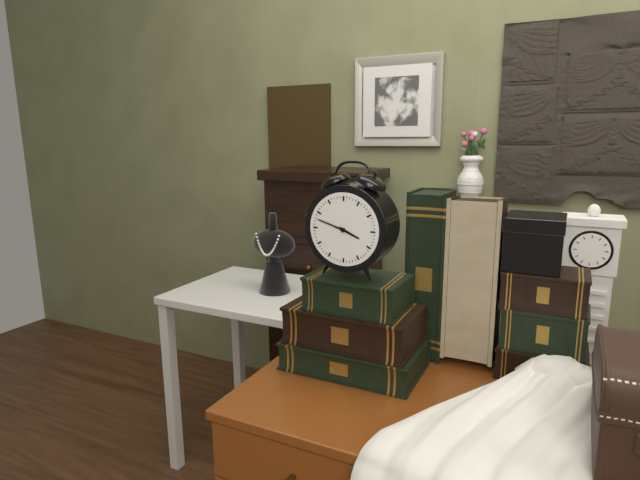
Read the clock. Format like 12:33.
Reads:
3:48
